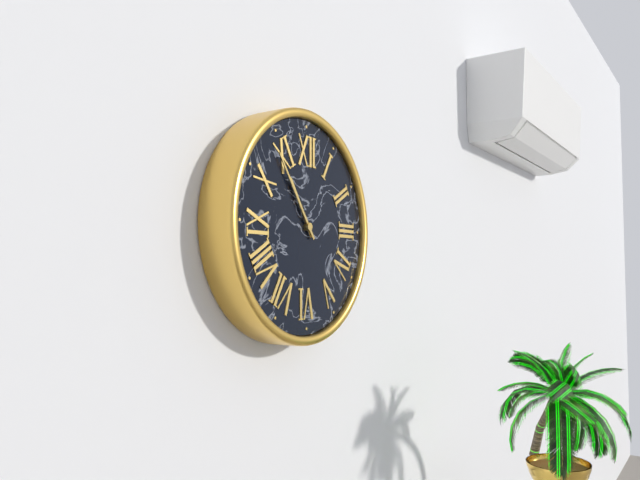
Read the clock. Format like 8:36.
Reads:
10:54
